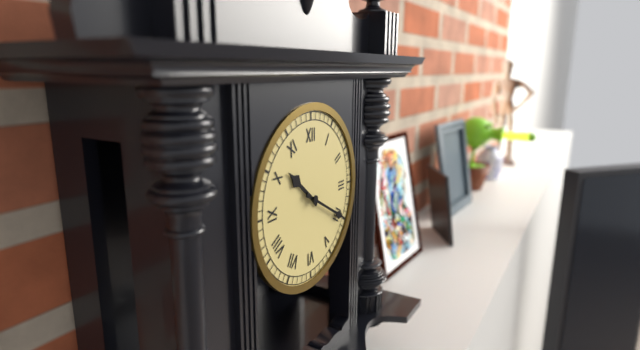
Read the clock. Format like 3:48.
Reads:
10:20
